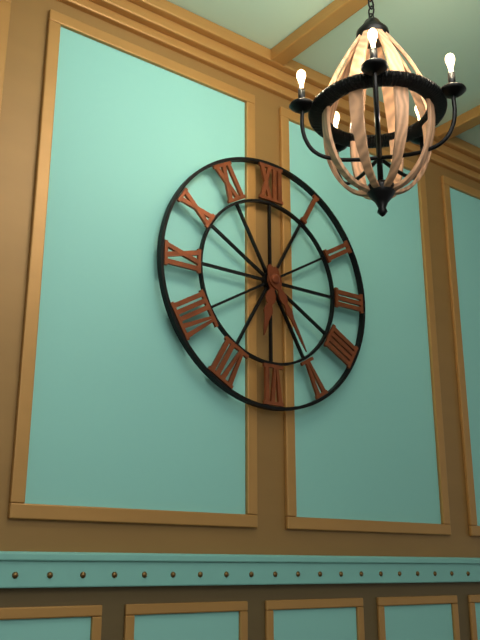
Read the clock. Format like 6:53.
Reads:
6:25
